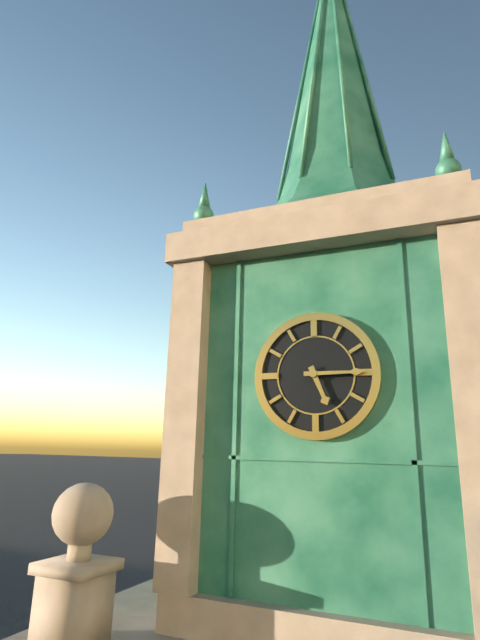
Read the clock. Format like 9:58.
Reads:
5:15
